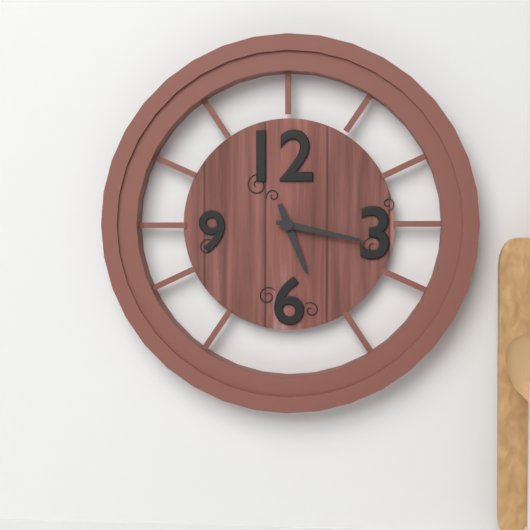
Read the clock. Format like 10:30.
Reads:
5:17
